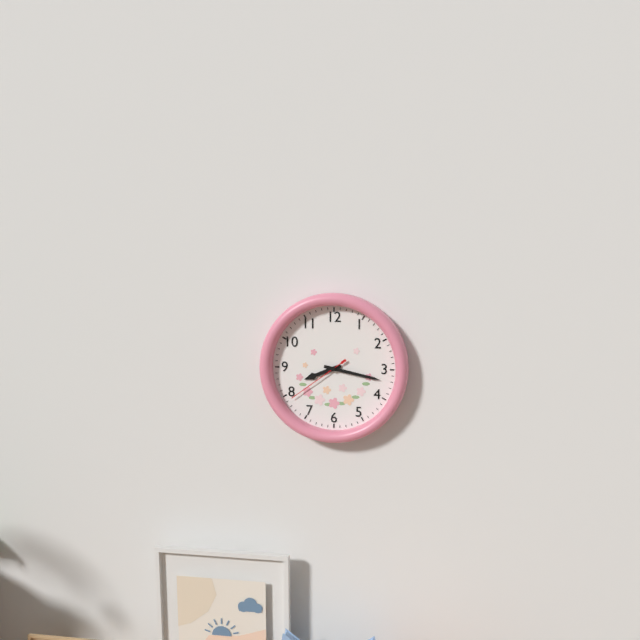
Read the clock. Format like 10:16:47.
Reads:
8:17:39
